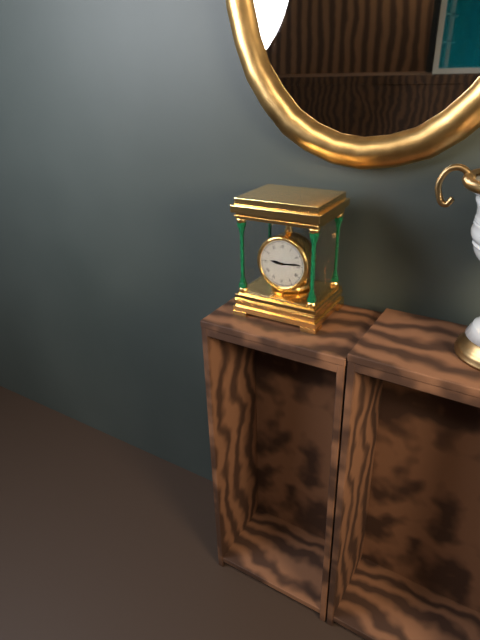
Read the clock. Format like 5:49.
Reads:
9:14
